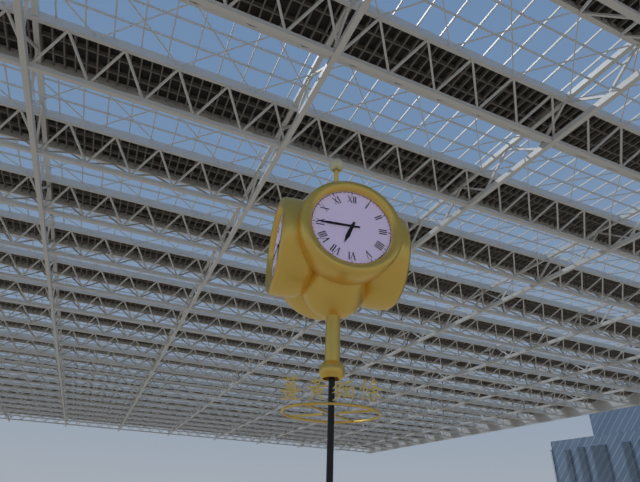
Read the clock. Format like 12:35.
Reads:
6:45
